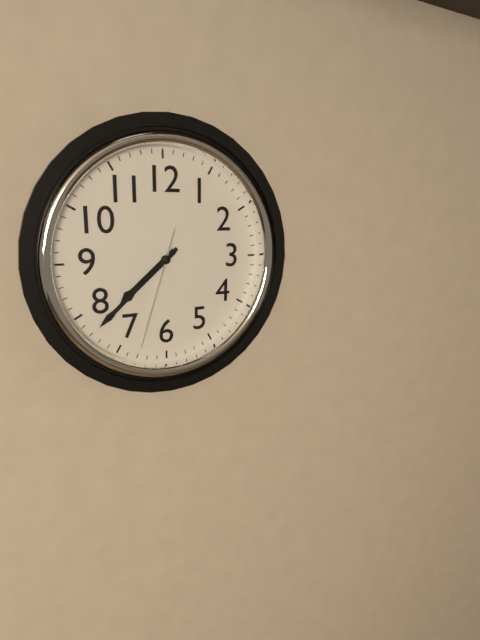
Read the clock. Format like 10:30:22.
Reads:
7:38:33
